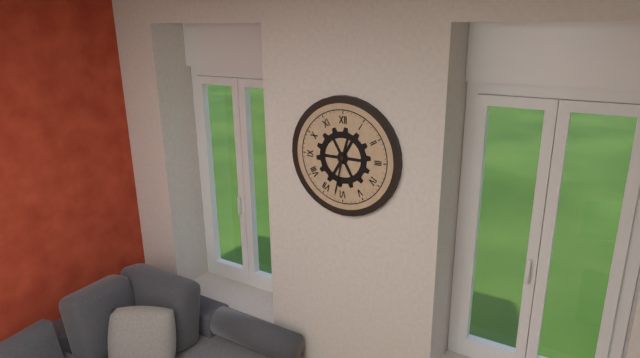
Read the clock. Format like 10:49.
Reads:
12:32
